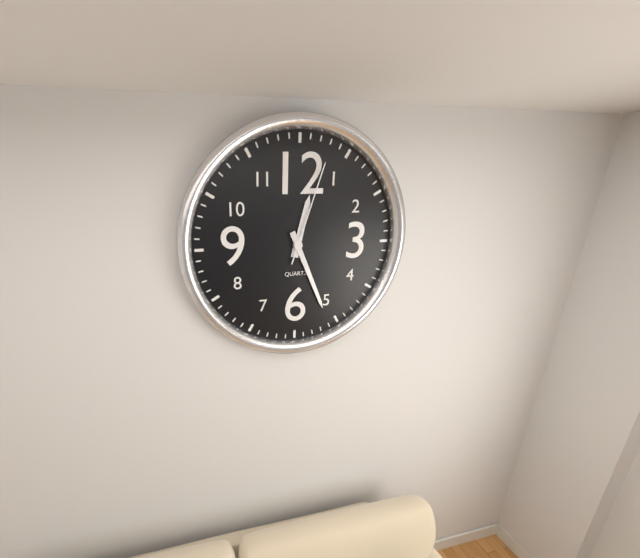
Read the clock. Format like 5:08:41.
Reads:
12:26:03
